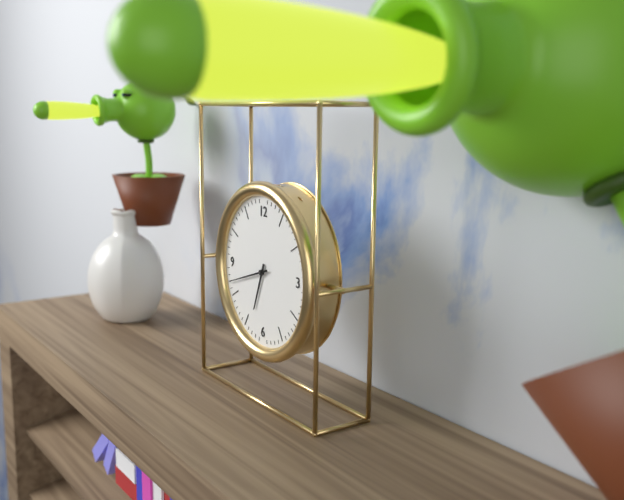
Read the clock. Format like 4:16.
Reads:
6:42
